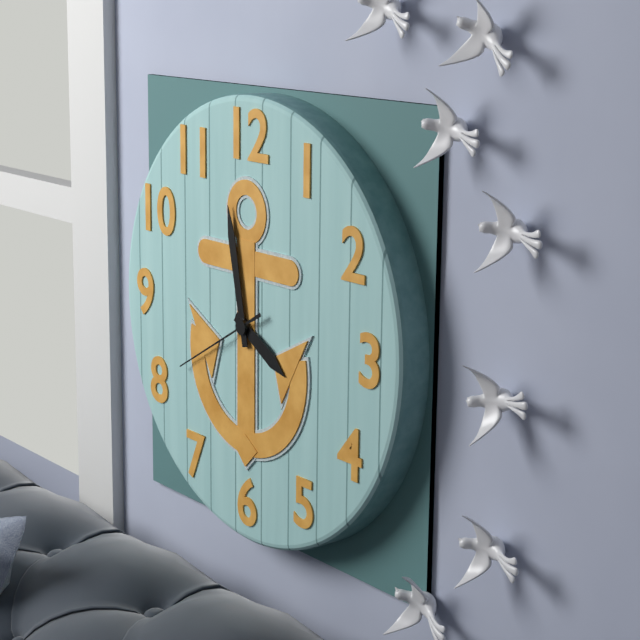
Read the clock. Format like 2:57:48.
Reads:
3:58:40
